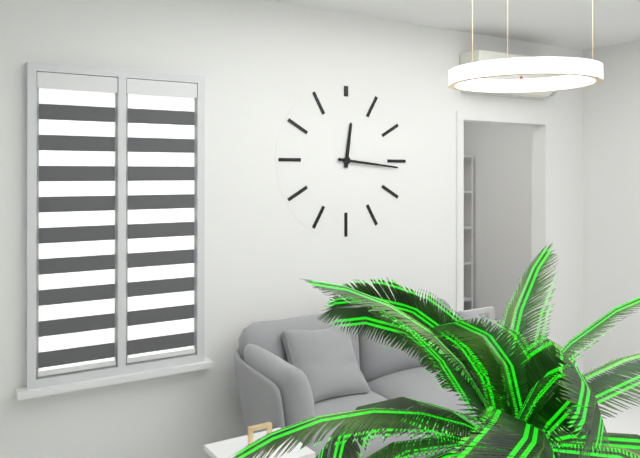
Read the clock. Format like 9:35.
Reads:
12:16
